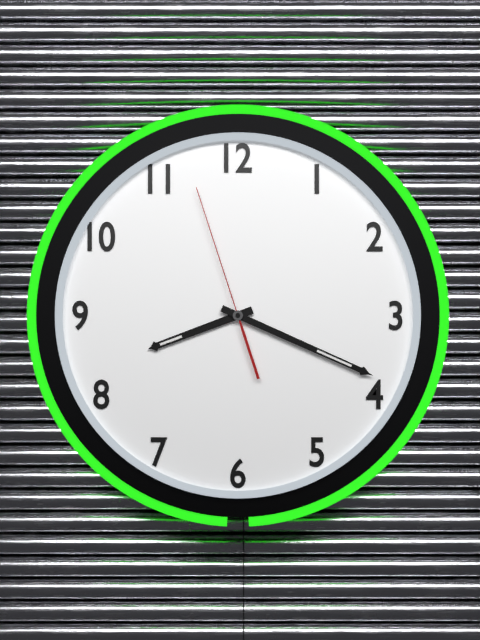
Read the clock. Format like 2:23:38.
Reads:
8:19:57
